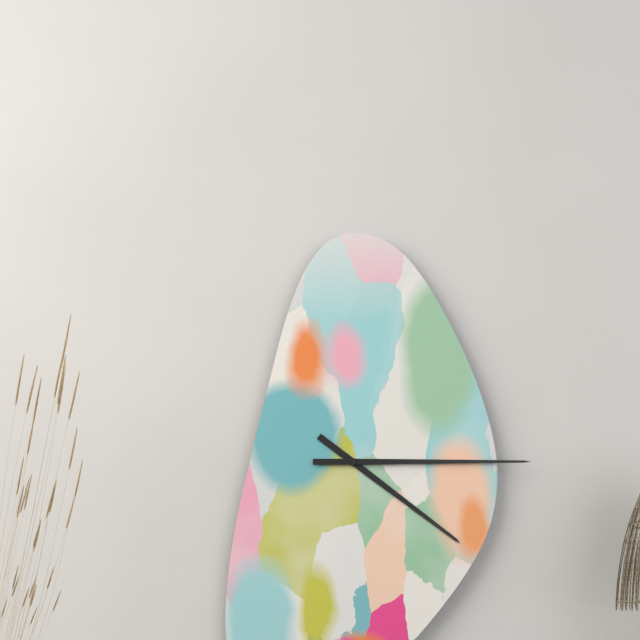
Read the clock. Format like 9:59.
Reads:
4:15
